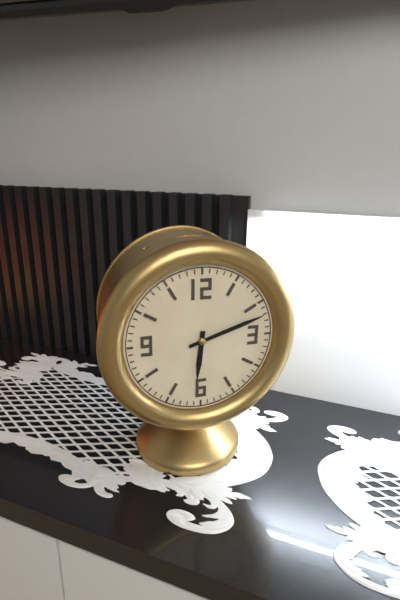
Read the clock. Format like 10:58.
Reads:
6:12
